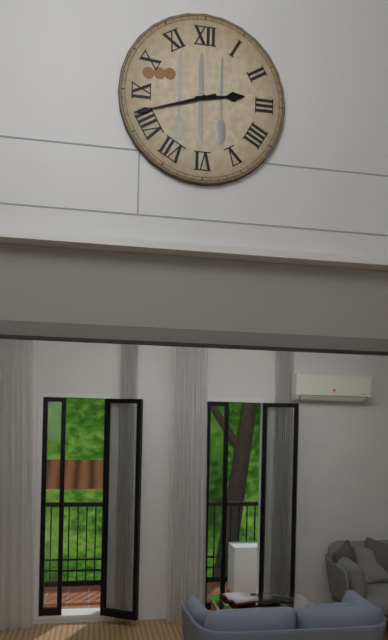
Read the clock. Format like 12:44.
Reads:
2:42
